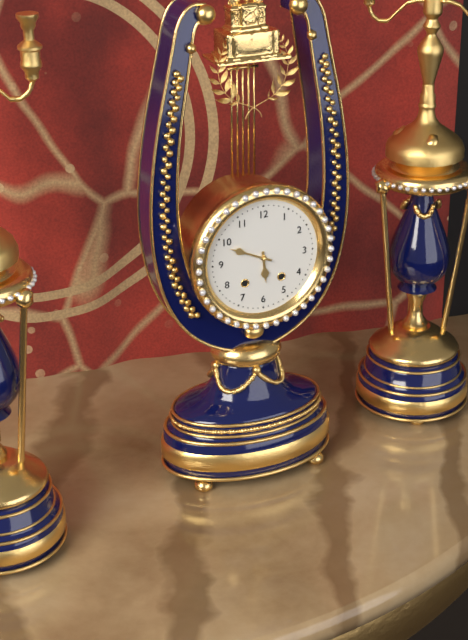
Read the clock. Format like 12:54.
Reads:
5:49
